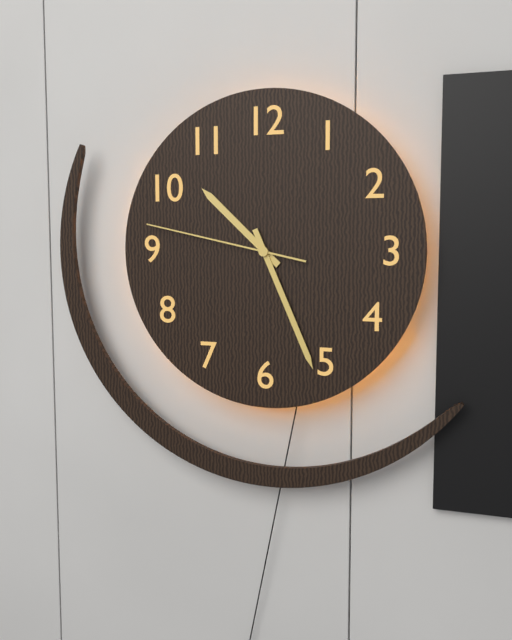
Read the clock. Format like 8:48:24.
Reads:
10:26:47
